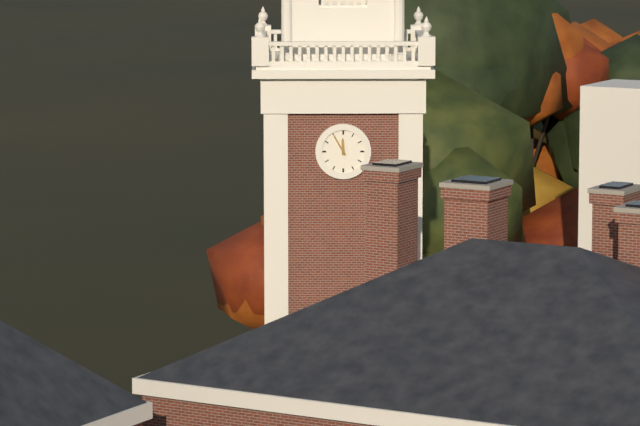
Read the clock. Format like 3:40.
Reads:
11:55
